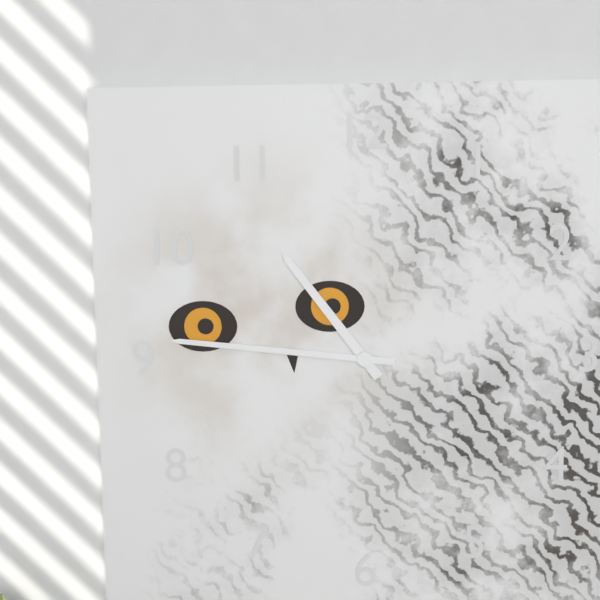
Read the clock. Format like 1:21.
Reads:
10:46
